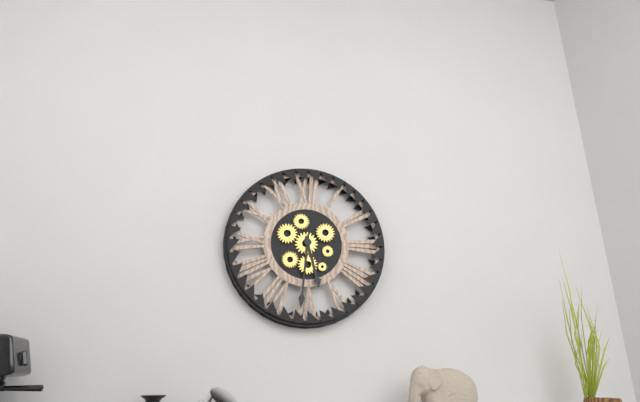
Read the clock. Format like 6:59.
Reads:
5:31
